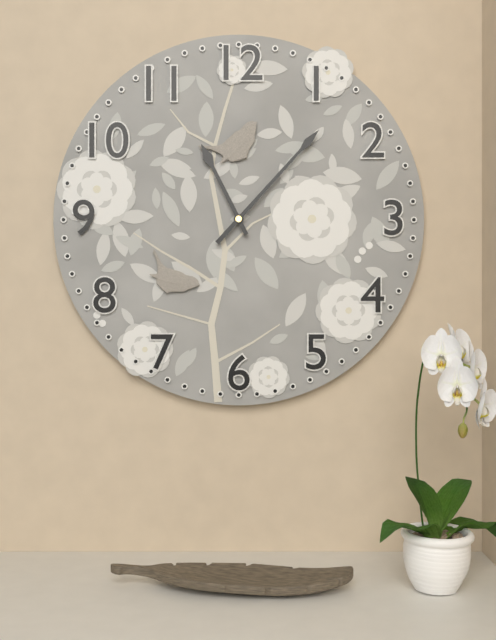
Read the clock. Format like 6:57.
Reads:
11:07
